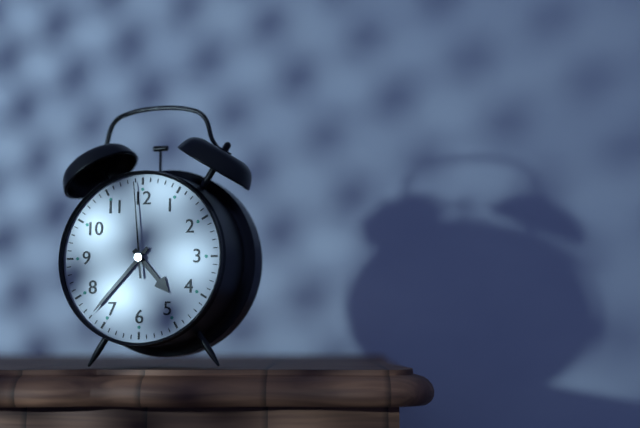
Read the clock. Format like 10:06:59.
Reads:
4:37:59
